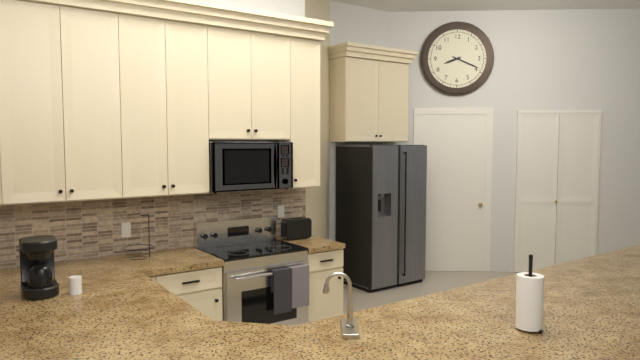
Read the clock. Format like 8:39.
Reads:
8:19
